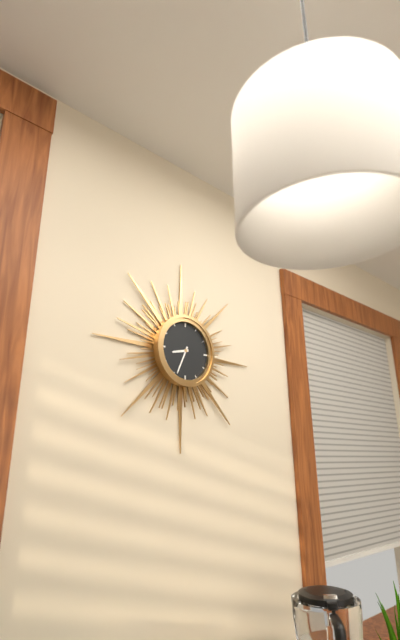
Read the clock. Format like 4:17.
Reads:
8:34
